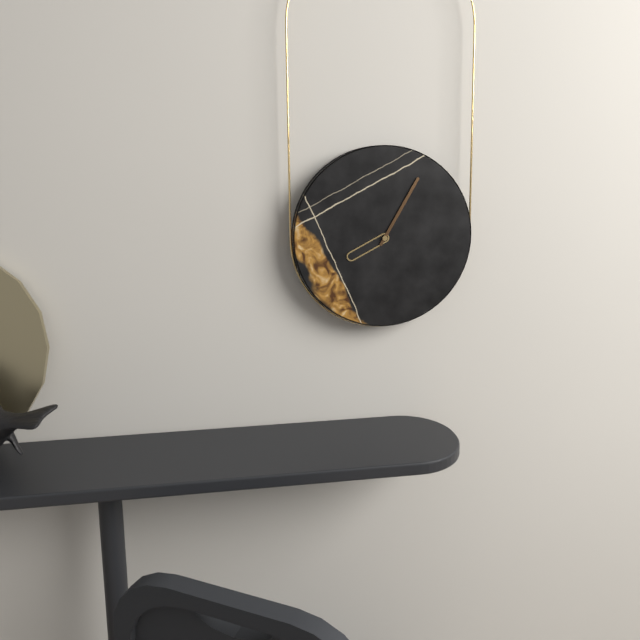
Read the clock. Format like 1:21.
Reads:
8:05
